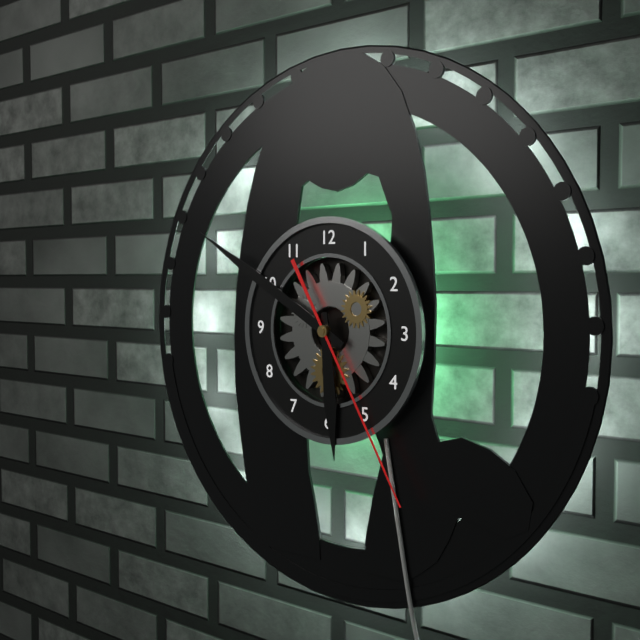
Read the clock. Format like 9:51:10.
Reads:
5:50:25
